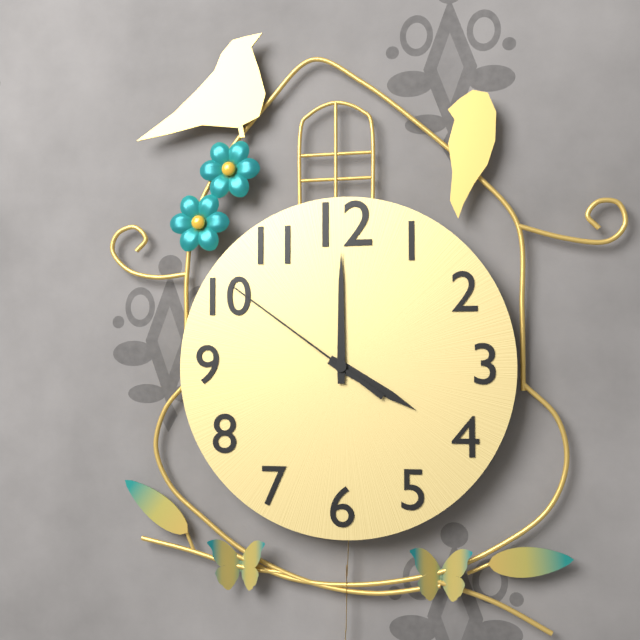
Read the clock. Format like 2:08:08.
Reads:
4:00:51
